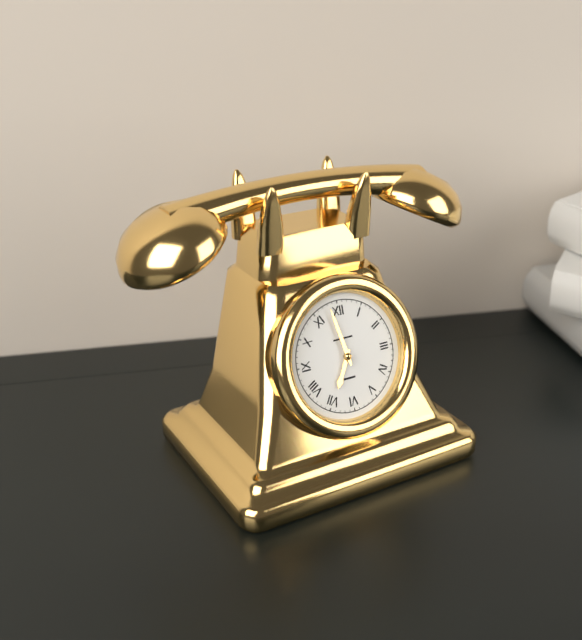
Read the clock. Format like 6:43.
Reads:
6:58
